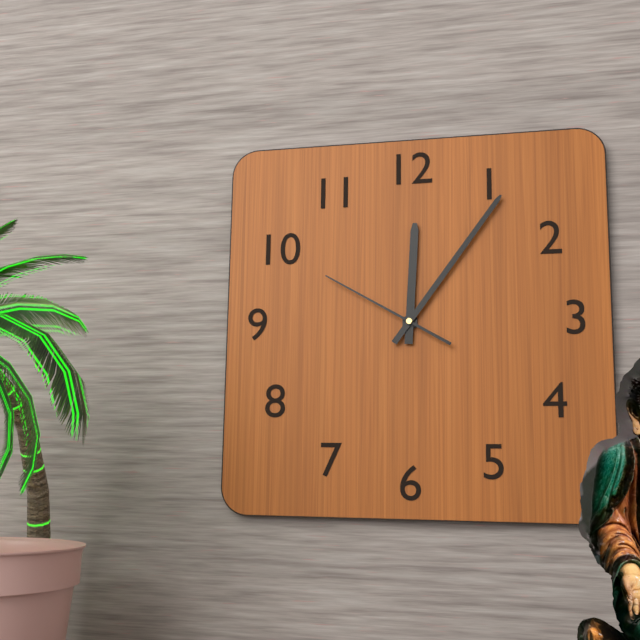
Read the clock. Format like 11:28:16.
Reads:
12:06:50
